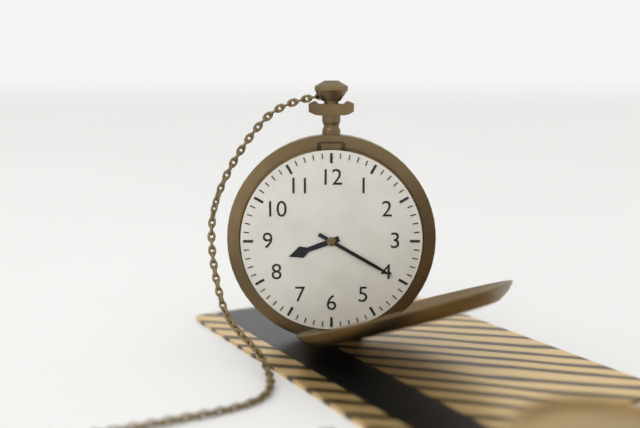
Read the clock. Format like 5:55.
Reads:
8:20
